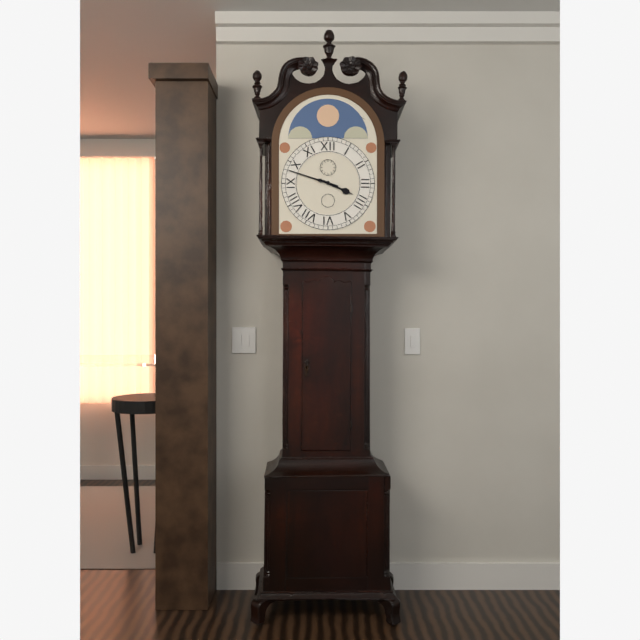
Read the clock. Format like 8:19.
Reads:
3:48
